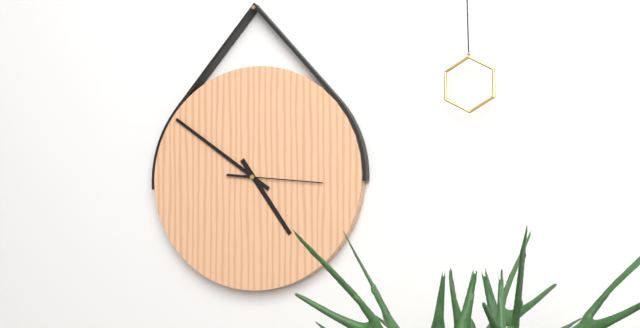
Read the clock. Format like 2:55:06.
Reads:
4:51:16
